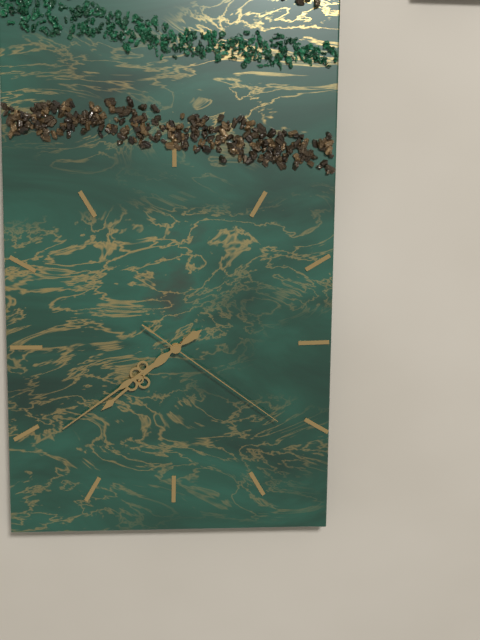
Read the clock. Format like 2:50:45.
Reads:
7:39:21
